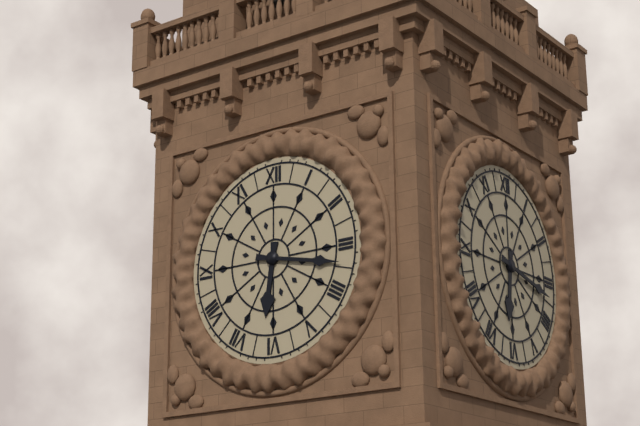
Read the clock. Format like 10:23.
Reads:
6:17
